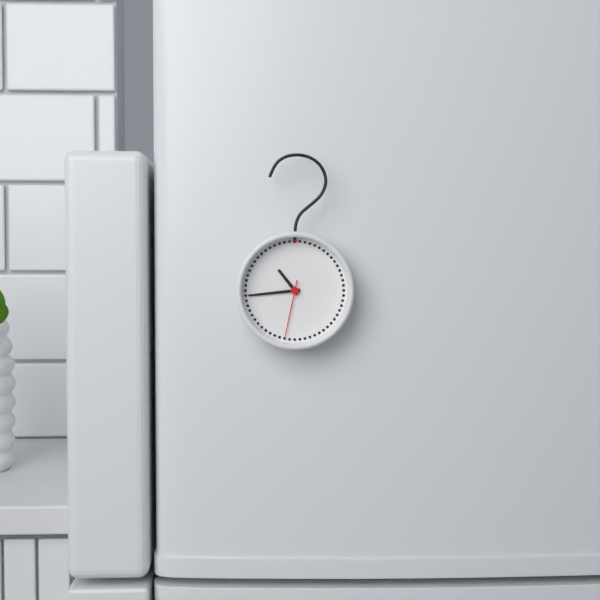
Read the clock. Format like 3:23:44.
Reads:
10:44:32
